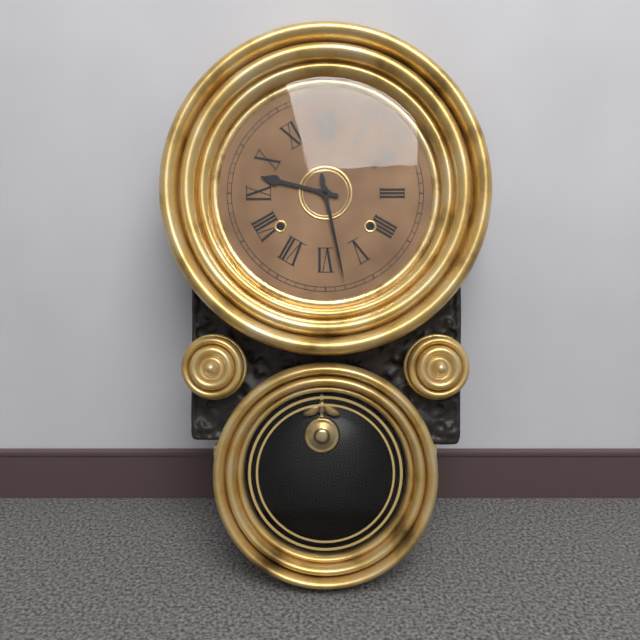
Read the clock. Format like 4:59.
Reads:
9:28
